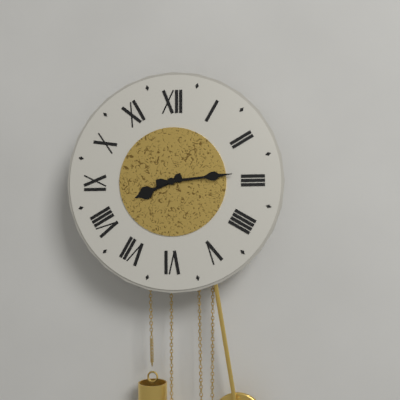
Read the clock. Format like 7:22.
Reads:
8:14
